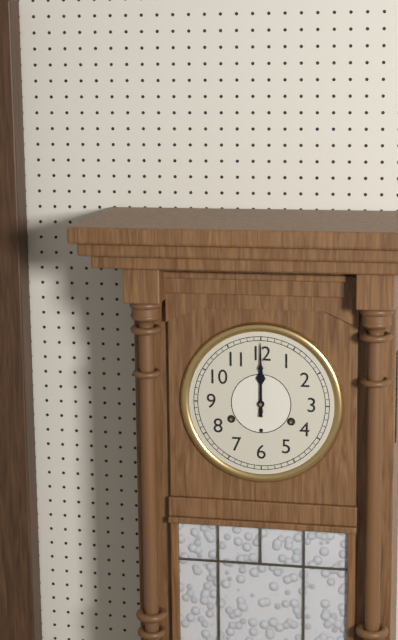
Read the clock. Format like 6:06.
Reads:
12:00
